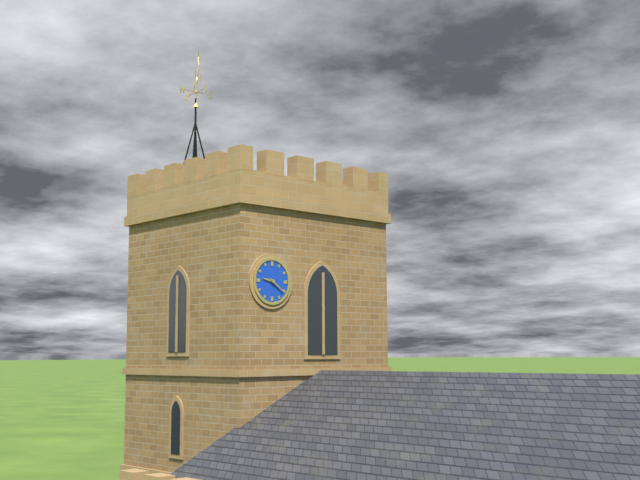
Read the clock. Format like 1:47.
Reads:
9:21
